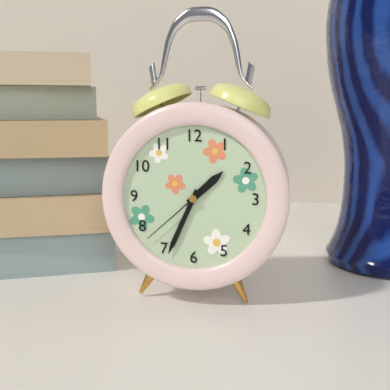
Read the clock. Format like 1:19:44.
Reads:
1:34:38
